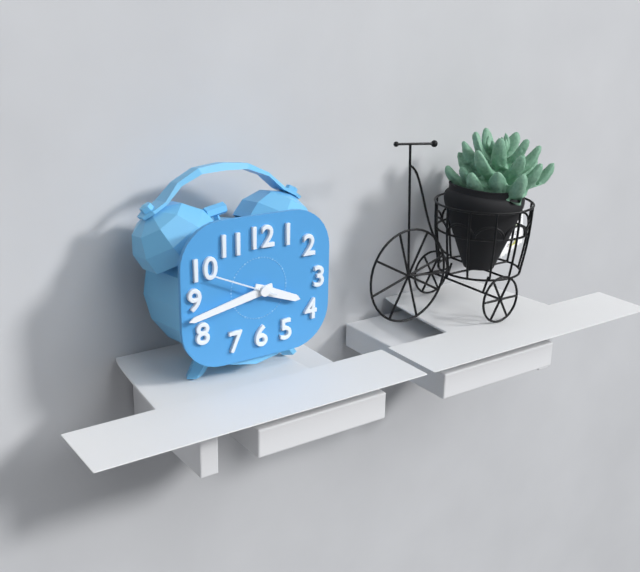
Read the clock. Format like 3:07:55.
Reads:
3:43:49
